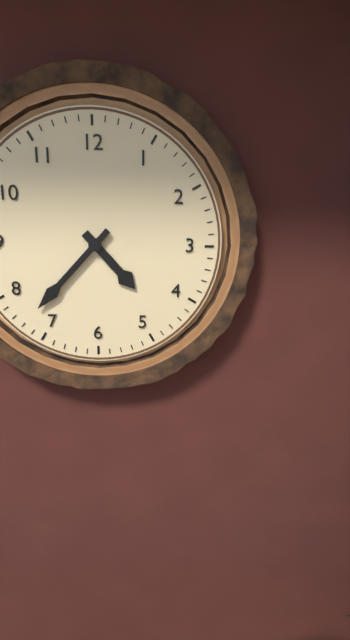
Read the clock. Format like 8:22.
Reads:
4:37
